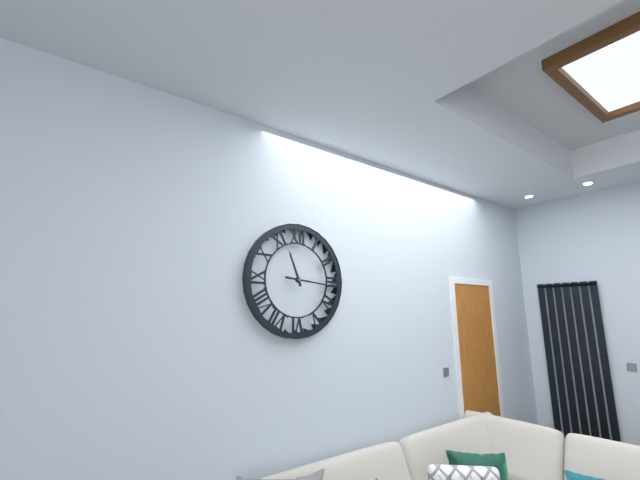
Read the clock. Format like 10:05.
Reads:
11:16
